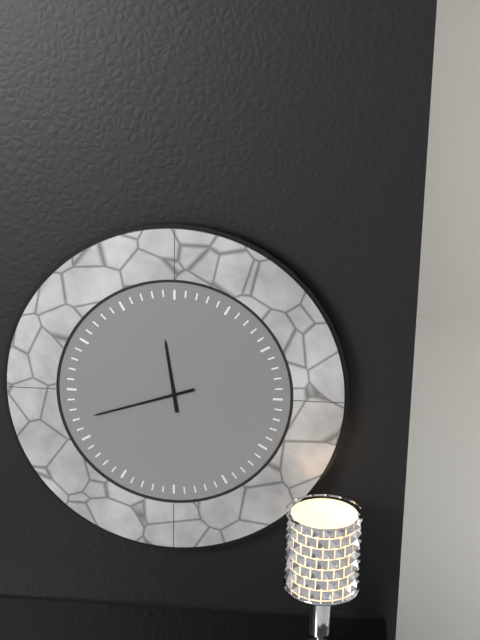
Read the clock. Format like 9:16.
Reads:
11:42
